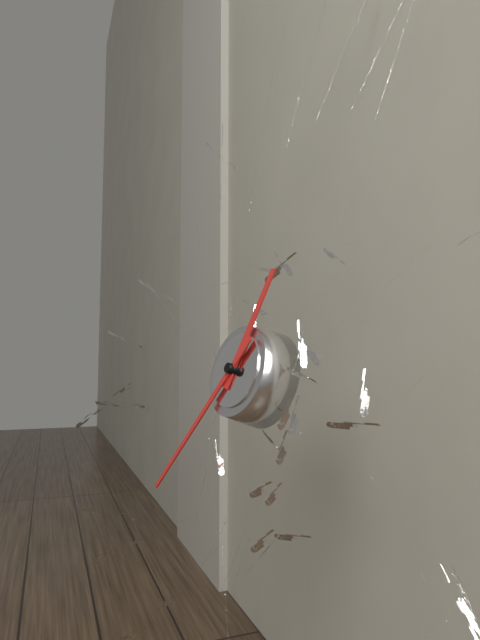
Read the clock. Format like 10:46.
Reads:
12:36
